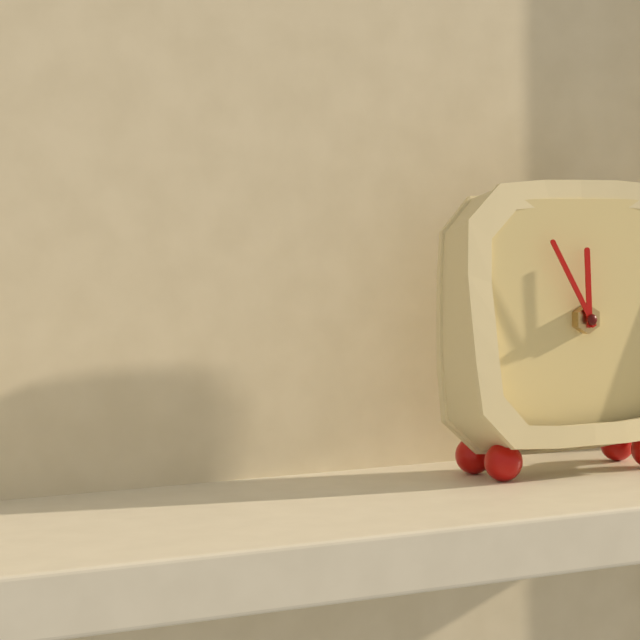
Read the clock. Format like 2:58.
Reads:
11:55
